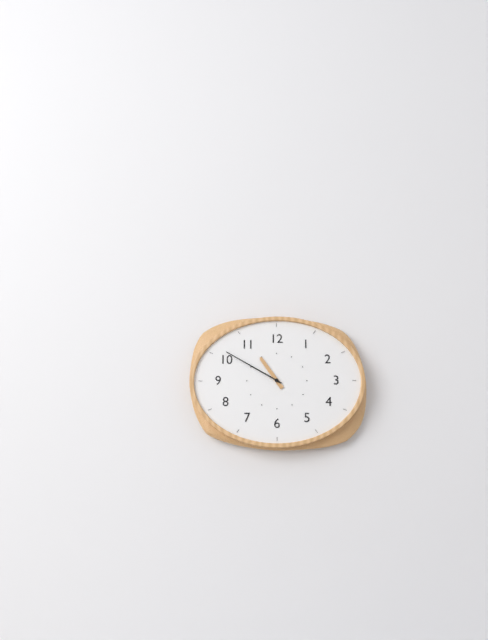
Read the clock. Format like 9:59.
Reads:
10:50
